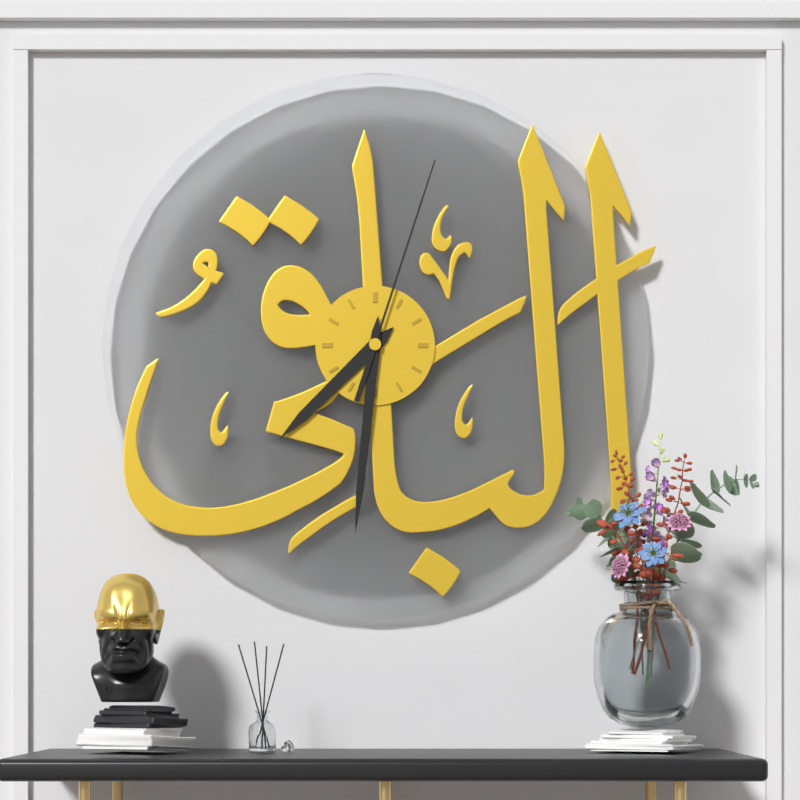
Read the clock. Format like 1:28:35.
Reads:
7:31:03
